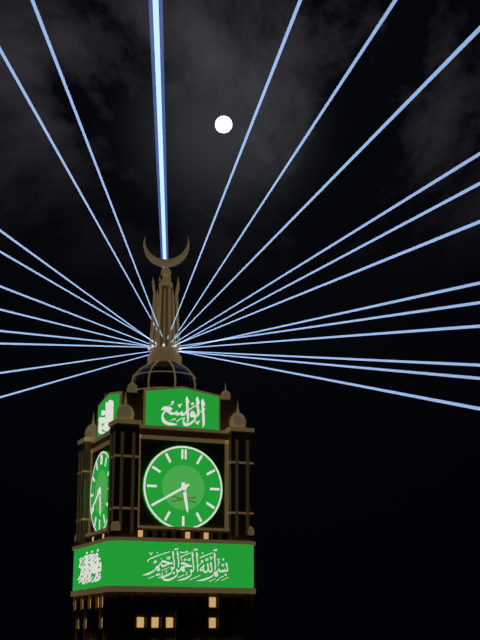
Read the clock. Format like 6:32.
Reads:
5:40
